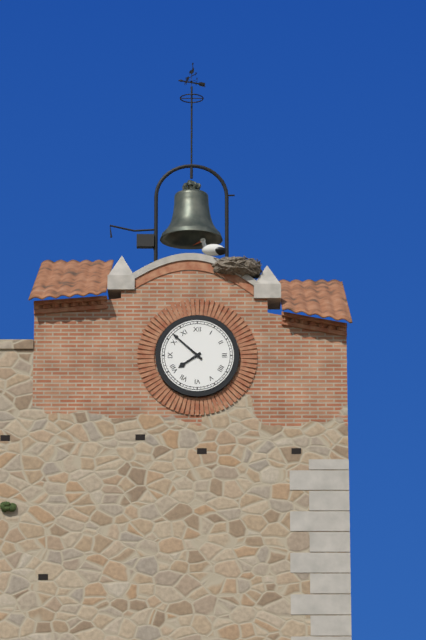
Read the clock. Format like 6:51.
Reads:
7:52
